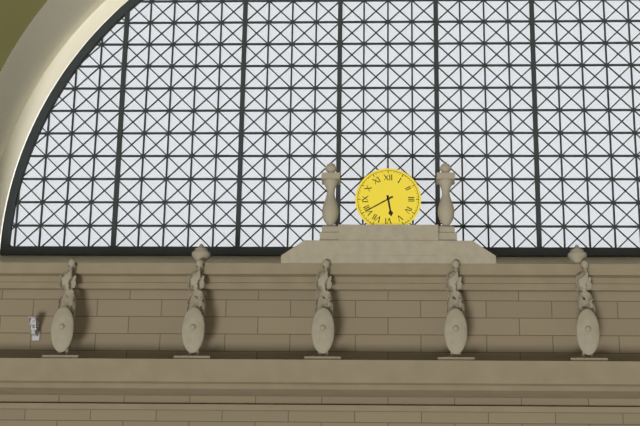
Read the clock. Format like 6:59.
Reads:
5:40
